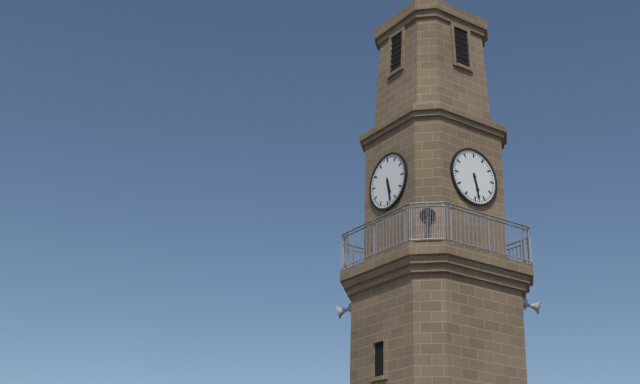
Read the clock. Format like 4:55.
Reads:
5:28
